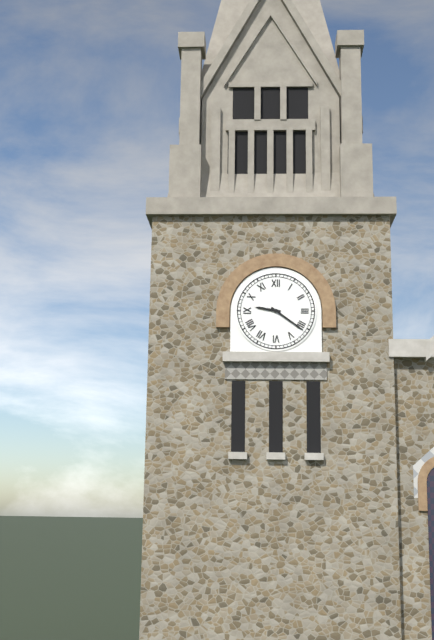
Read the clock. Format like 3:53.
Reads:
9:21
